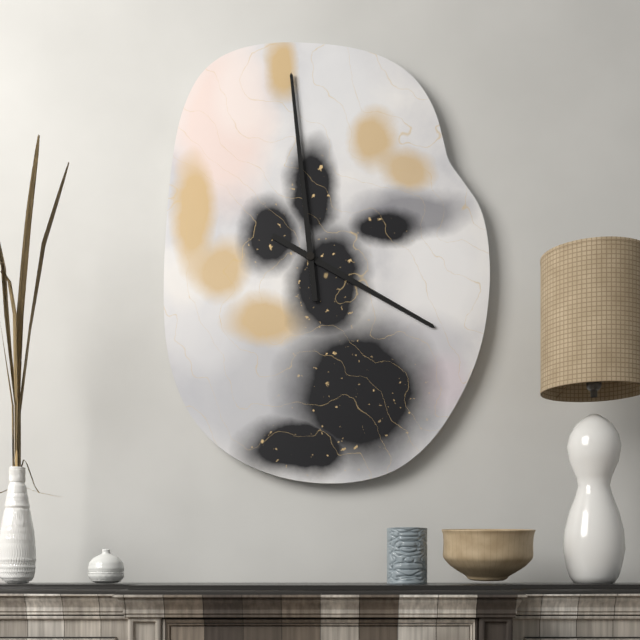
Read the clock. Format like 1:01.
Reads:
3:59
